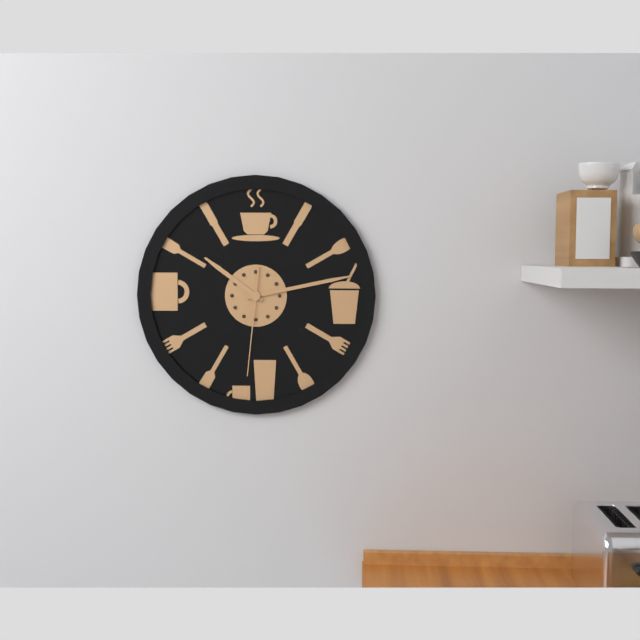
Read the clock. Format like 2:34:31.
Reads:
10:13:31
